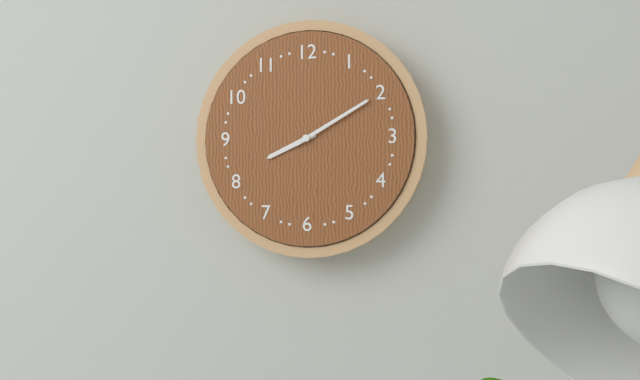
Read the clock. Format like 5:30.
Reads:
8:10
